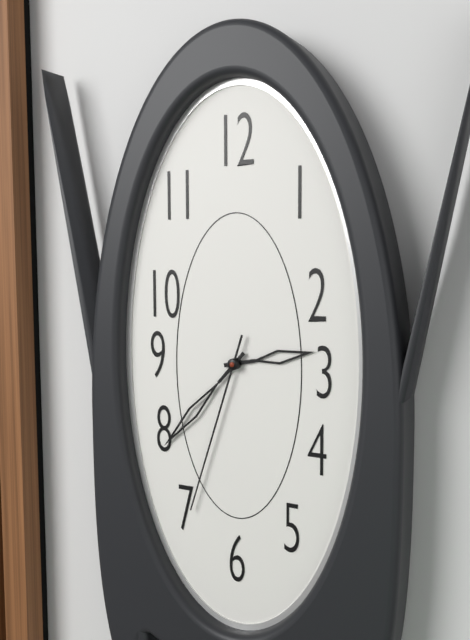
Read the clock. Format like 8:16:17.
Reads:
2:37:33
